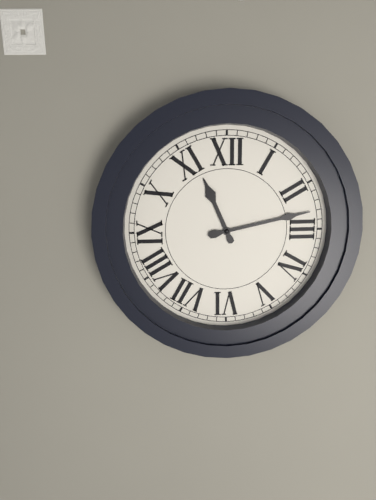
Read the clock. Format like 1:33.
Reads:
11:13
